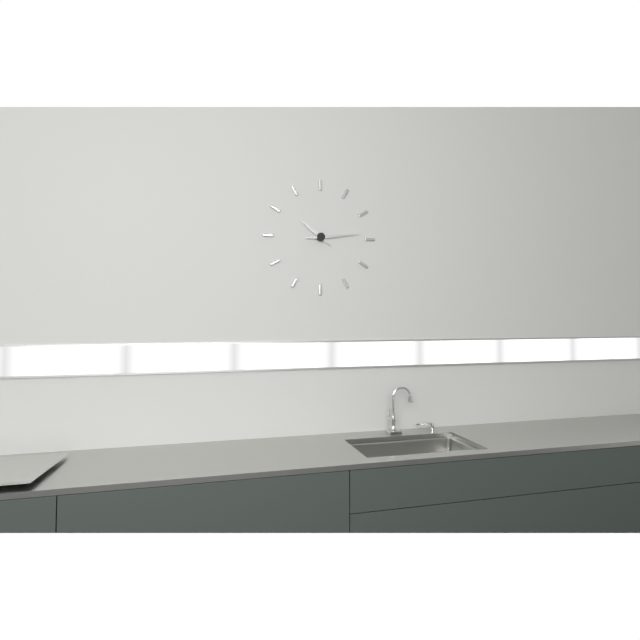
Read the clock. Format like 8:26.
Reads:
10:14
